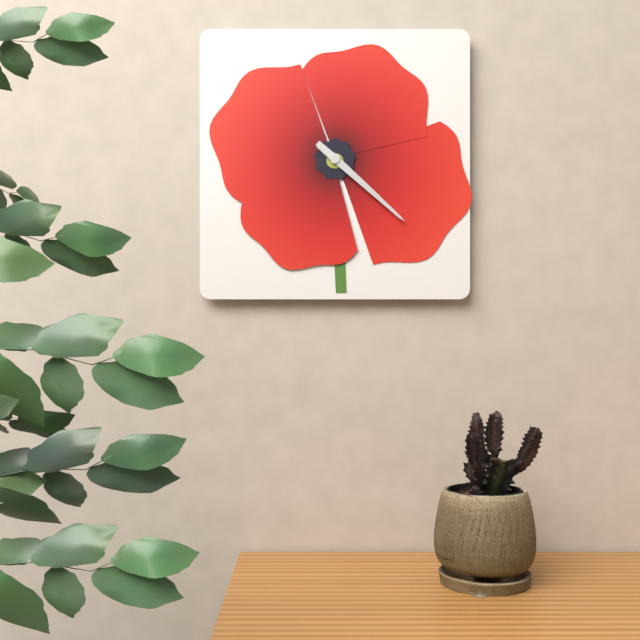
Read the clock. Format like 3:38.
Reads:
4:22
